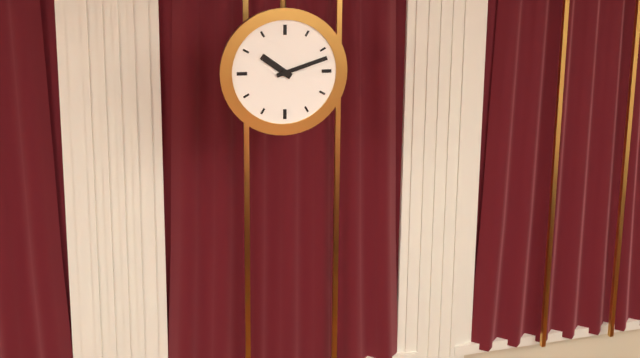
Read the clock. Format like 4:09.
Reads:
10:12
